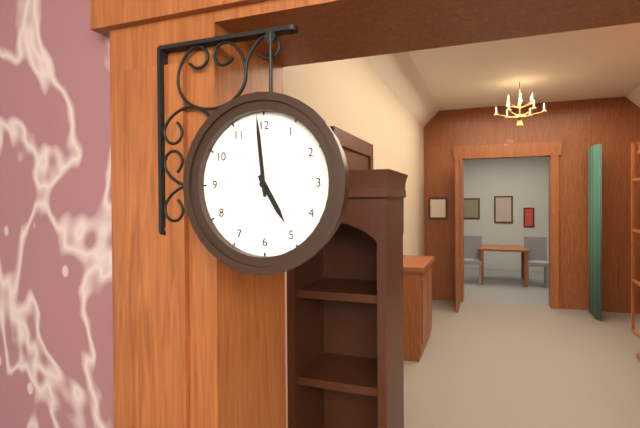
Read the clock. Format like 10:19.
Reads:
4:59
